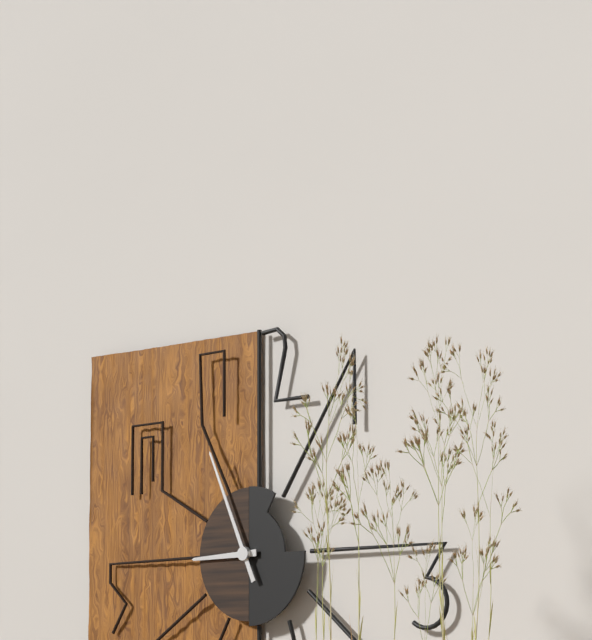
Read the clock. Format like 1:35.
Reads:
8:56
